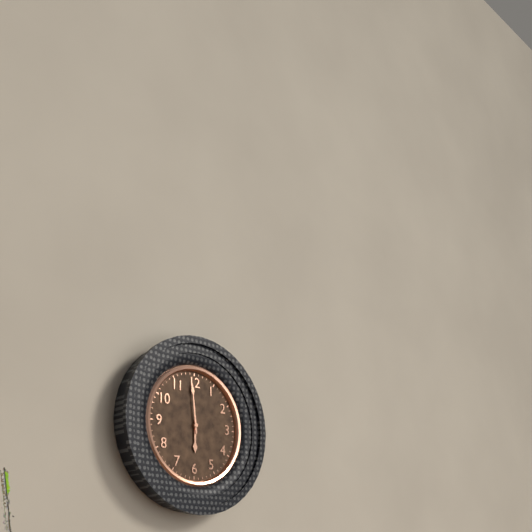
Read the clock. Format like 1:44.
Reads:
5:59
